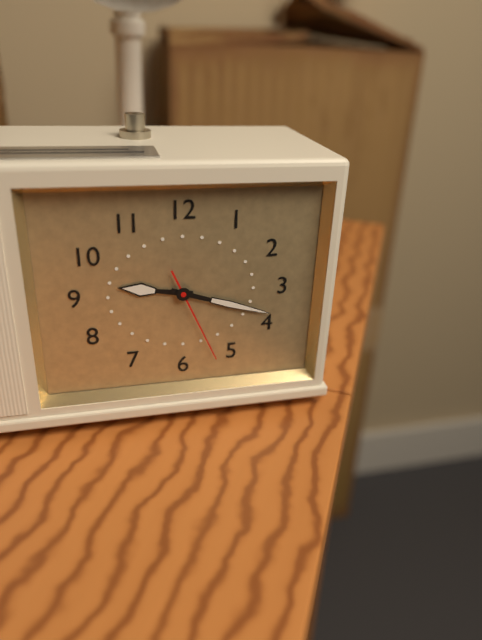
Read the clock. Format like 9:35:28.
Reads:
9:18:26
